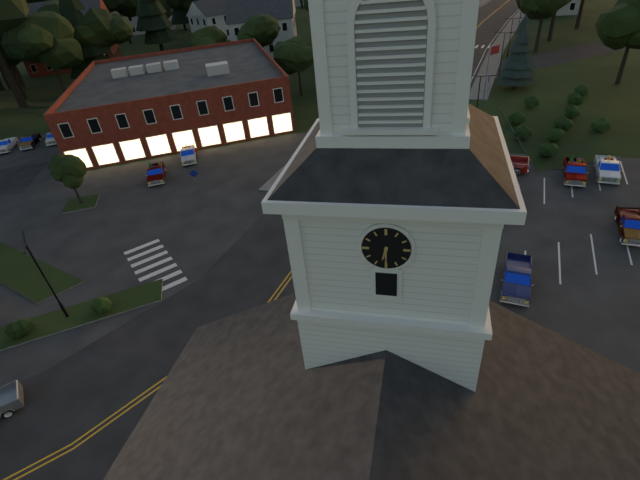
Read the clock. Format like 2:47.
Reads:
6:30
